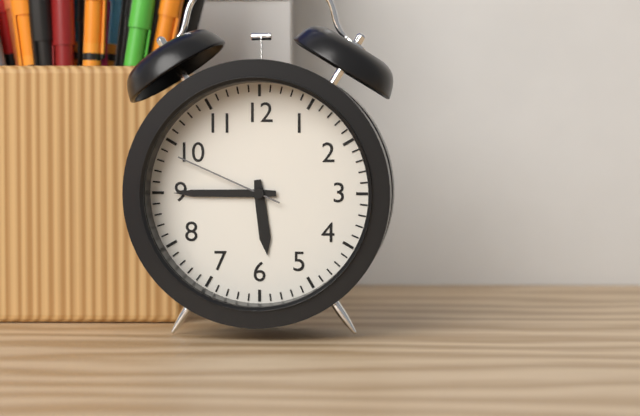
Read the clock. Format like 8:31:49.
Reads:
5:45:49
